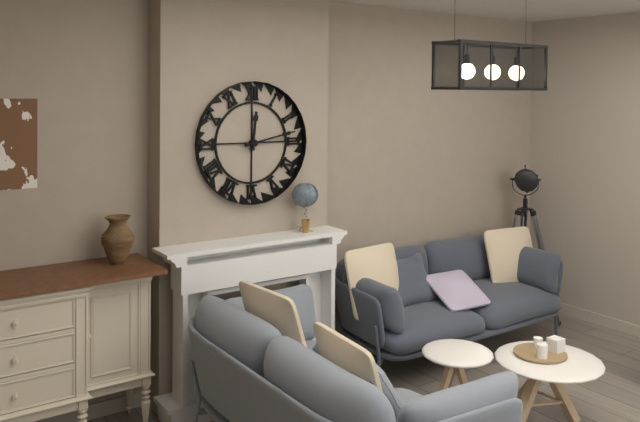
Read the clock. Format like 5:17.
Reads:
12:13
